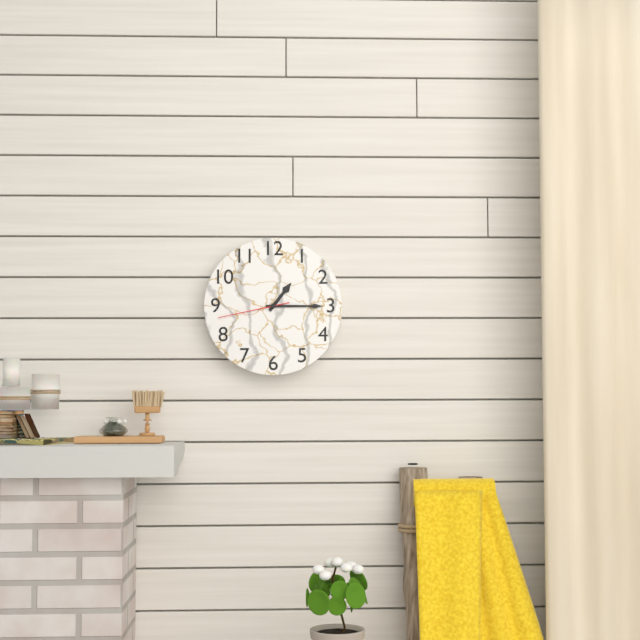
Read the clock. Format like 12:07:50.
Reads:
1:15:43
